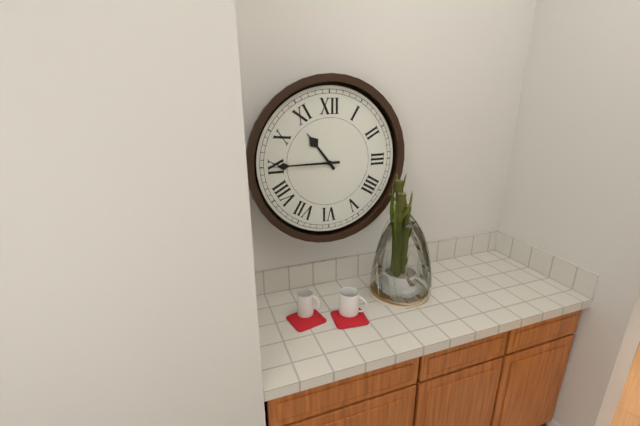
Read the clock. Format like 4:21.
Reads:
10:45
